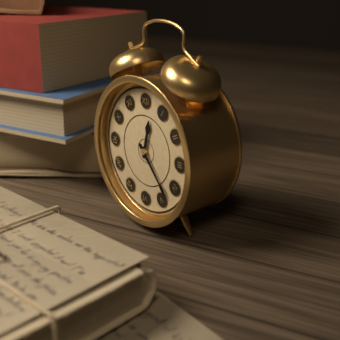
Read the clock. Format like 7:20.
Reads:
12:23
